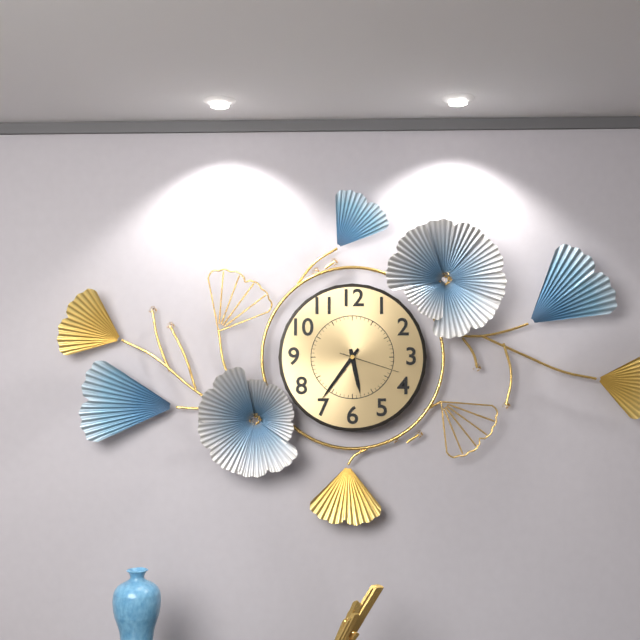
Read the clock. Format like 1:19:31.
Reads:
5:36:18
